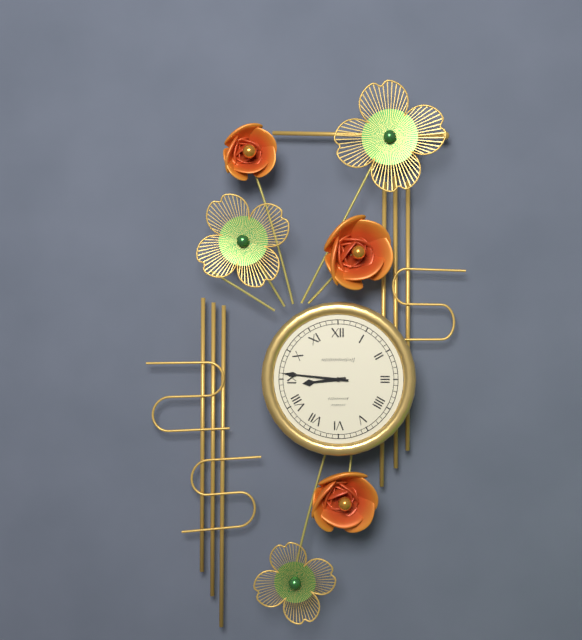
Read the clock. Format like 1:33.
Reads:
8:46
